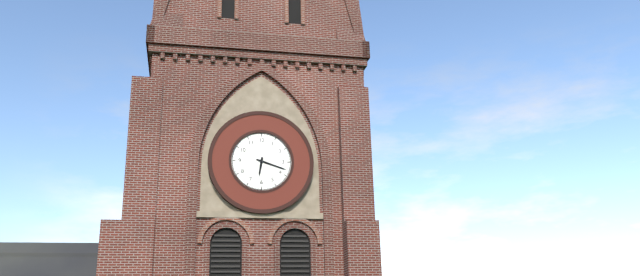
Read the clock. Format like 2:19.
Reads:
6:18
